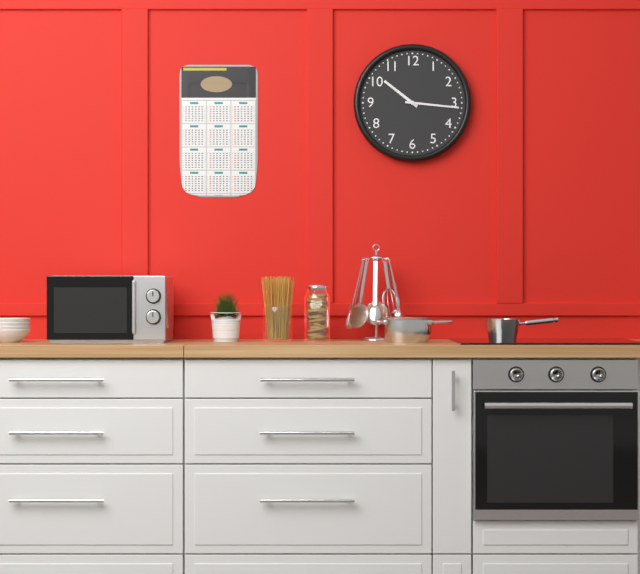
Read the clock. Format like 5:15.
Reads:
10:16
